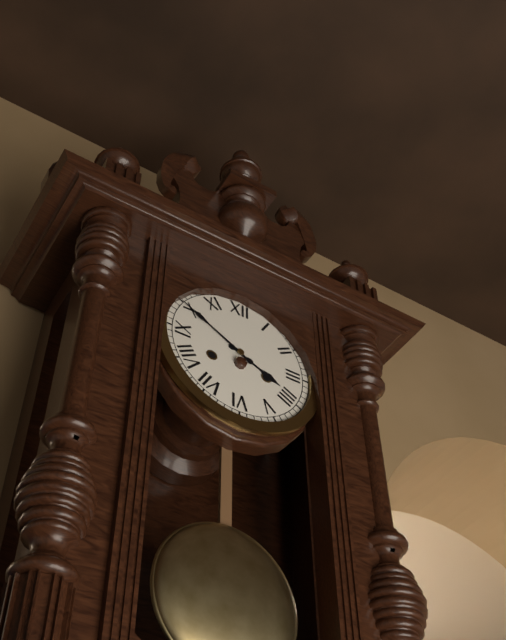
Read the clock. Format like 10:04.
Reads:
3:50
